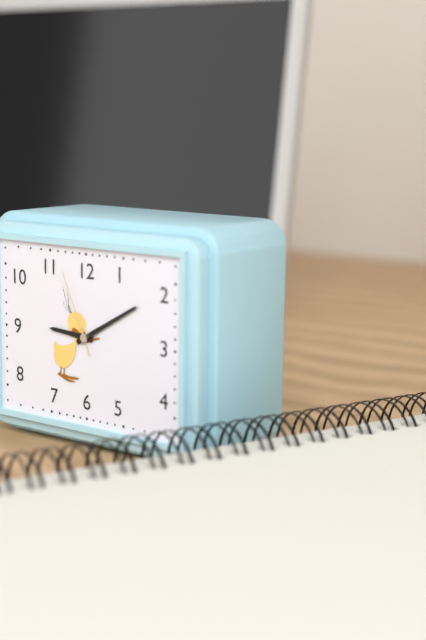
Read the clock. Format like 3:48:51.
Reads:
9:10:56
